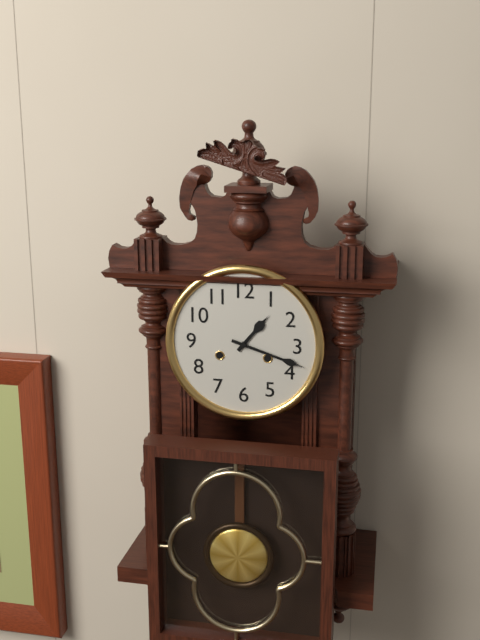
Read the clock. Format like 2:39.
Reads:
1:18
